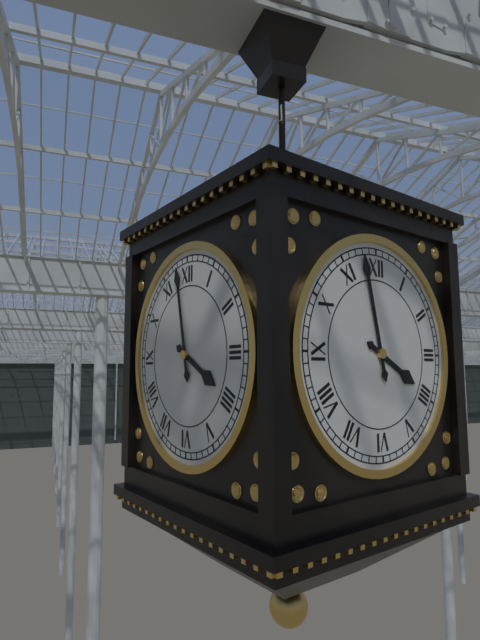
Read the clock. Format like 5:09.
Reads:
3:58
